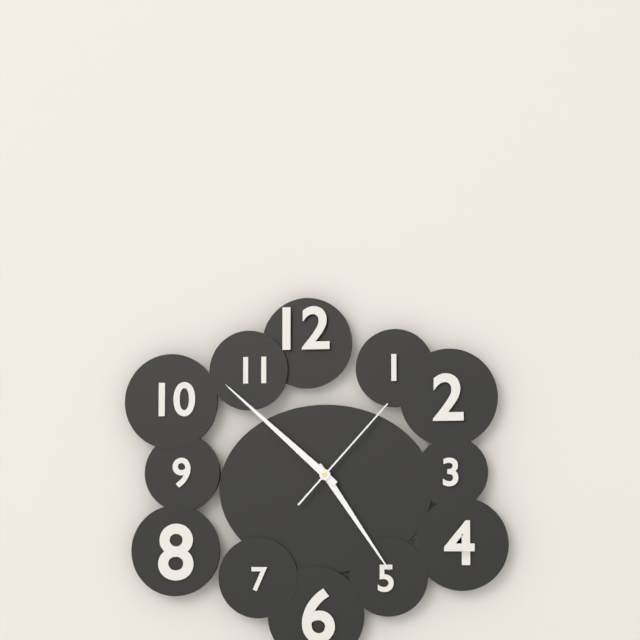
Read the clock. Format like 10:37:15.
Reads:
4:52:07
